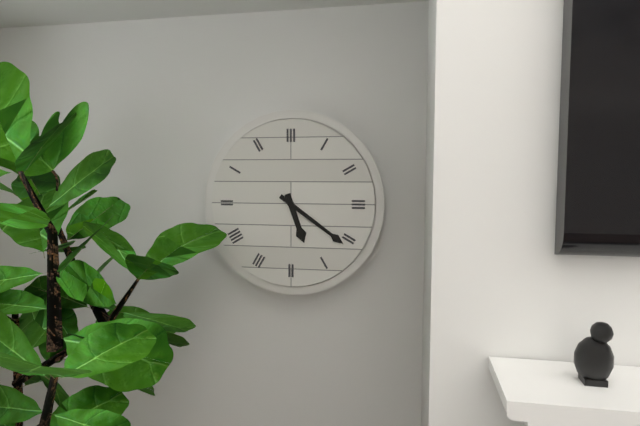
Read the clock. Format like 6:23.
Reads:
5:21
